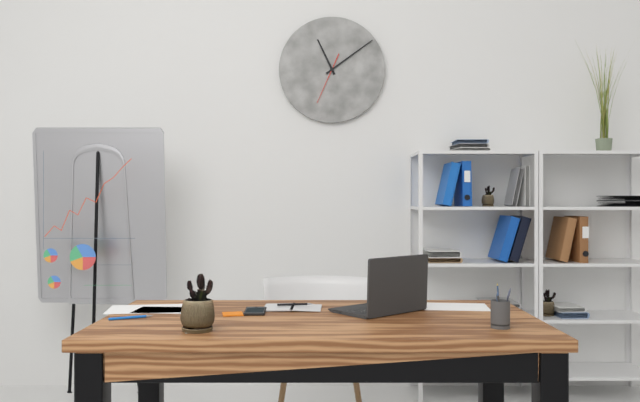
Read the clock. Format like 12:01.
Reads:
11:09
